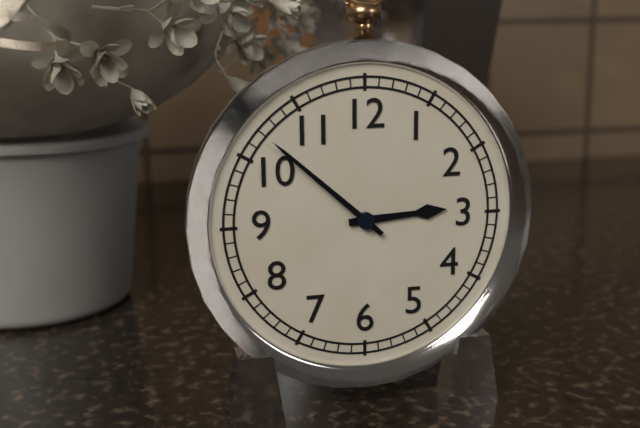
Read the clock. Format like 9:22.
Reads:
2:52
